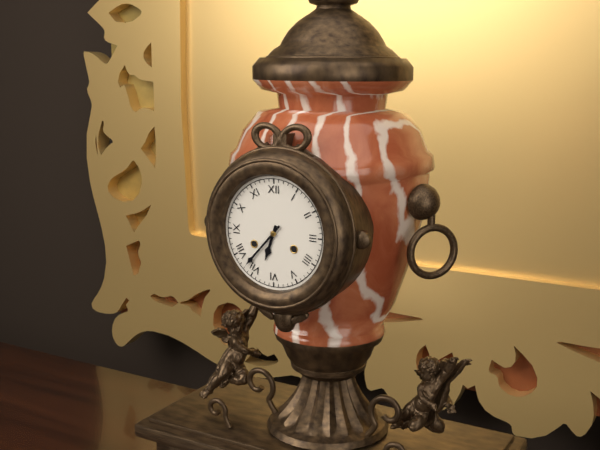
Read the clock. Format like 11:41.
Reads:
6:37
